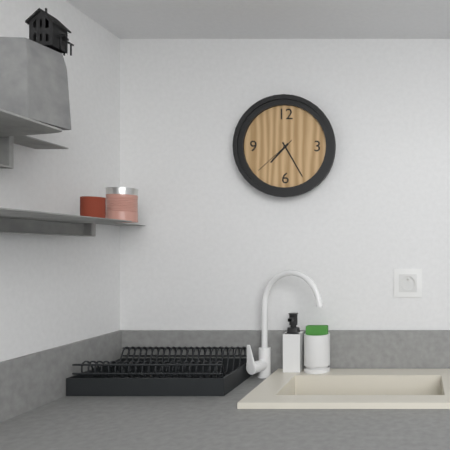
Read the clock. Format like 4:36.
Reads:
7:25
